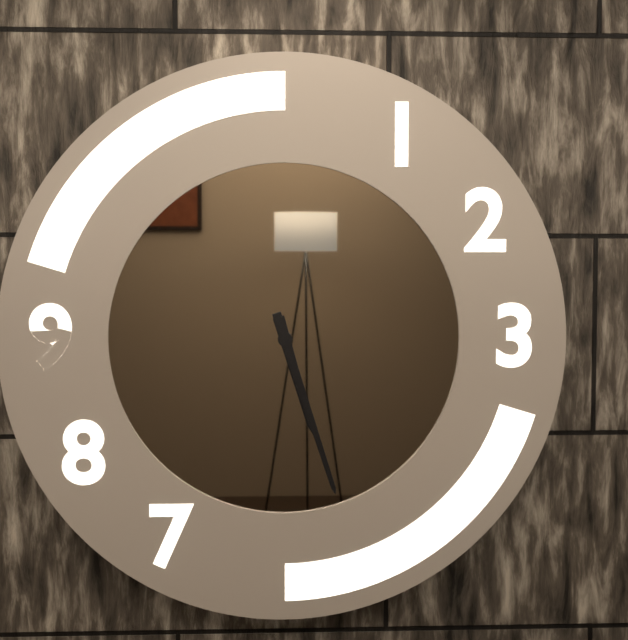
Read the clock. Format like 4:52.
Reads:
5:27
